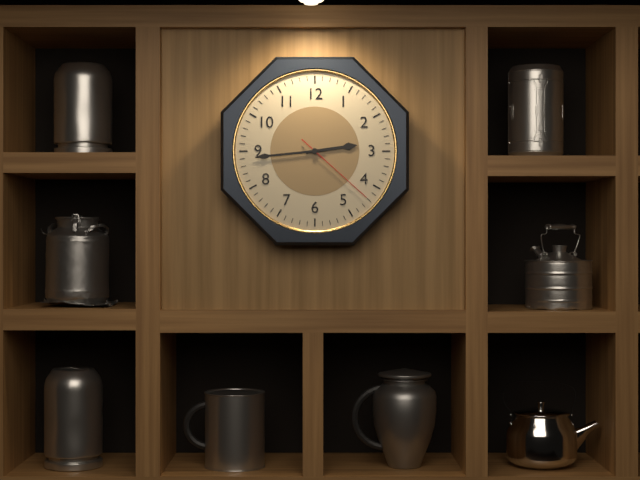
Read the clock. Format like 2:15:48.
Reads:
2:44:22
